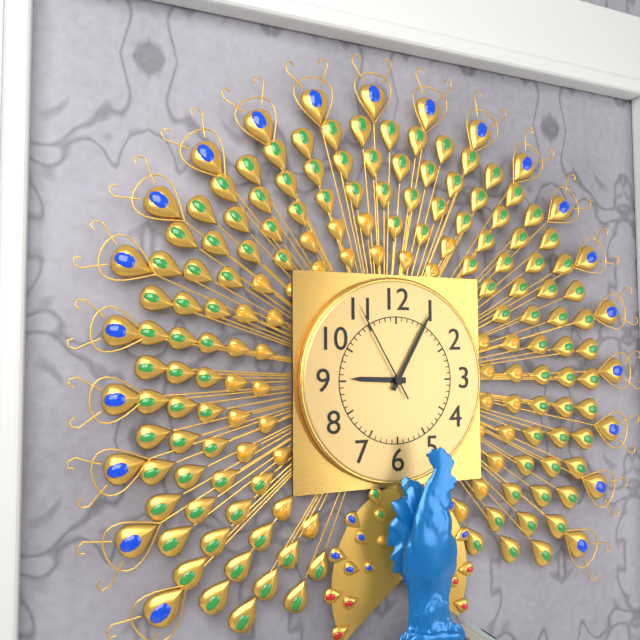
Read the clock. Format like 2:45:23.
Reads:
9:05:55
